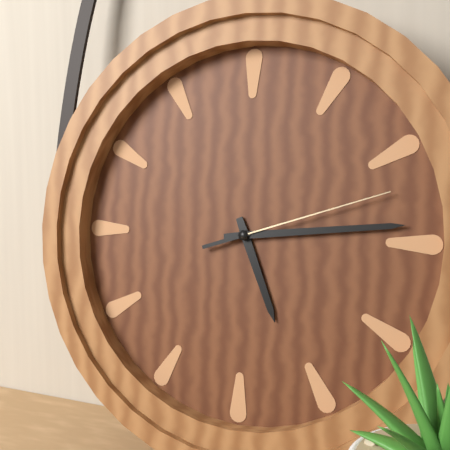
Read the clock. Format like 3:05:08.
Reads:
5:14:12
